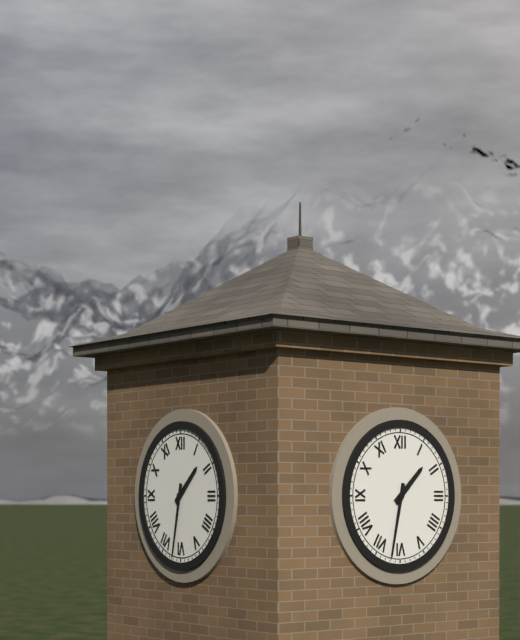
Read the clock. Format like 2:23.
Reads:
1:32
